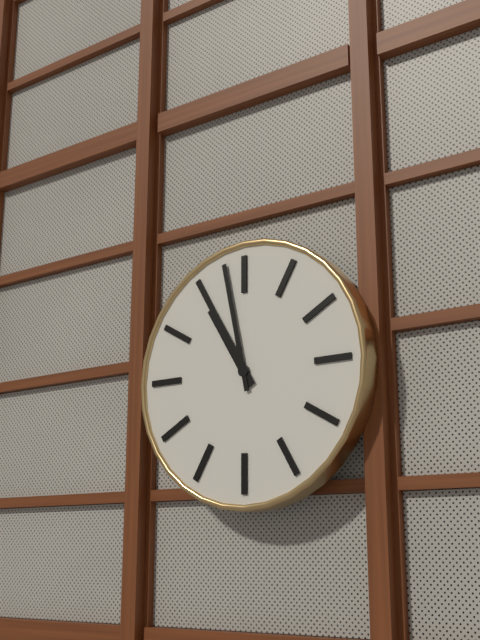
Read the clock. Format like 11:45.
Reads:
10:58
